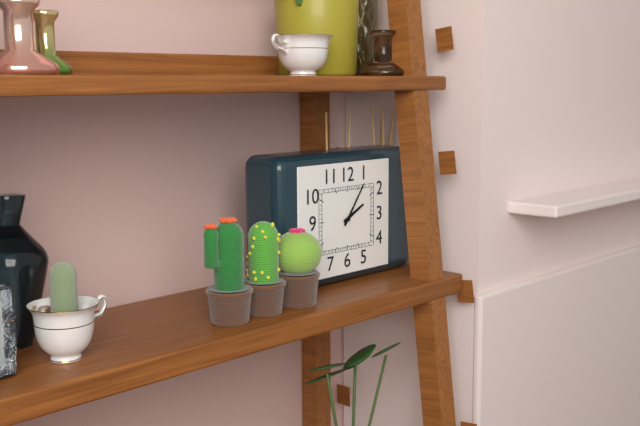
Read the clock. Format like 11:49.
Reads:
2:06
